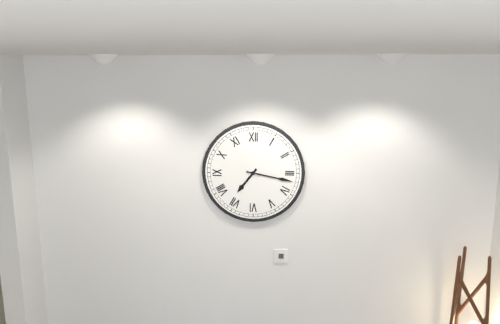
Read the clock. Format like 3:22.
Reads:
7:17
